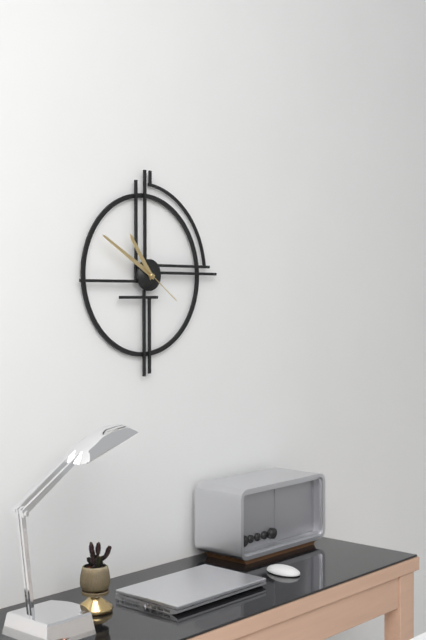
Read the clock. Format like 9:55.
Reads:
10:50
